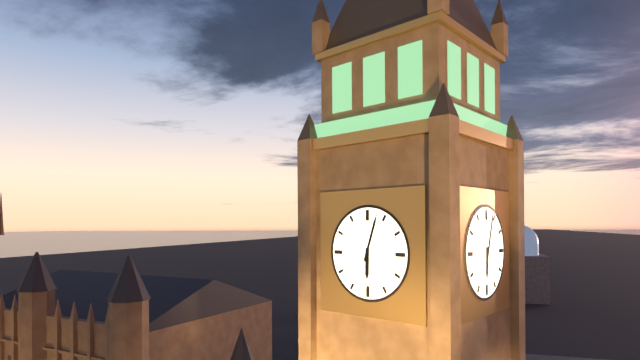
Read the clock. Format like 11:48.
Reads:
6:03
